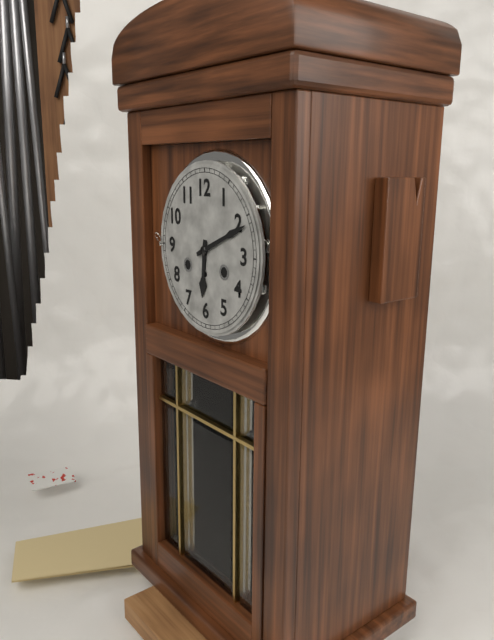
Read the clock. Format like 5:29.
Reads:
6:11
